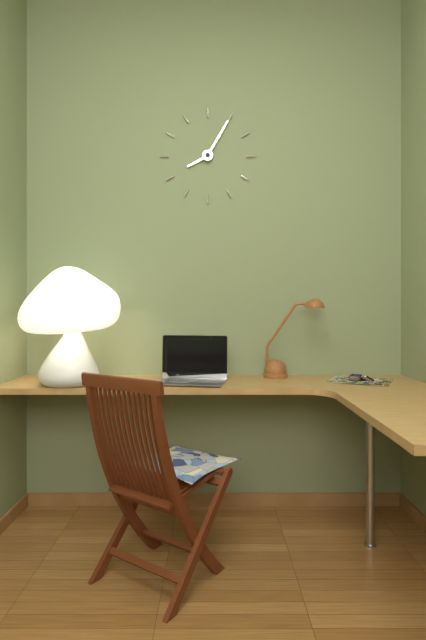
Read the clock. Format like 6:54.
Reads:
8:05
